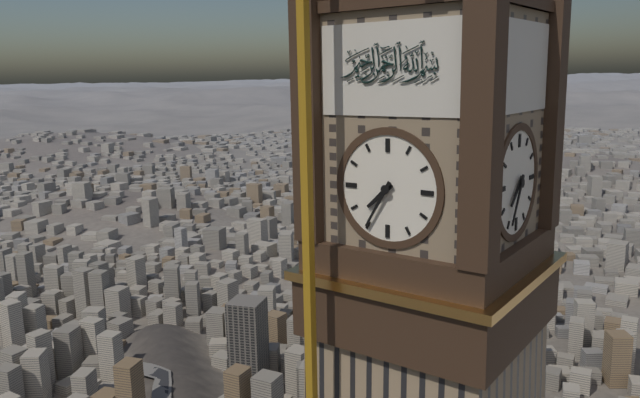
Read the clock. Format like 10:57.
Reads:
7:35
